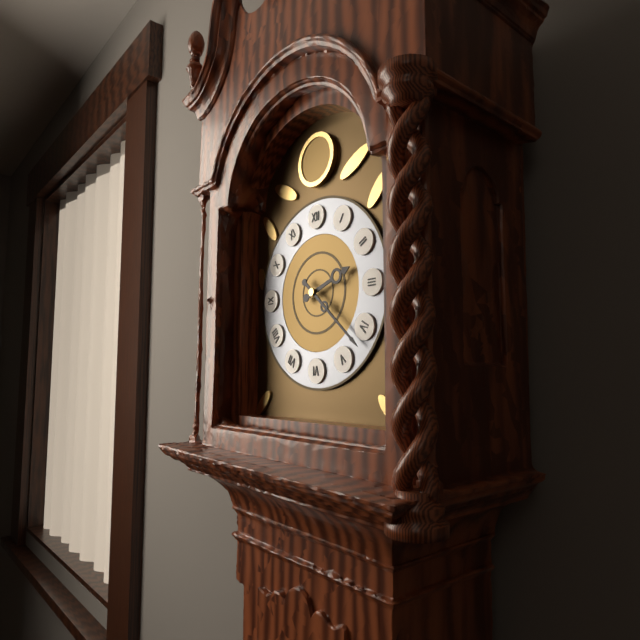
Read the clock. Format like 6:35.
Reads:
2:22
